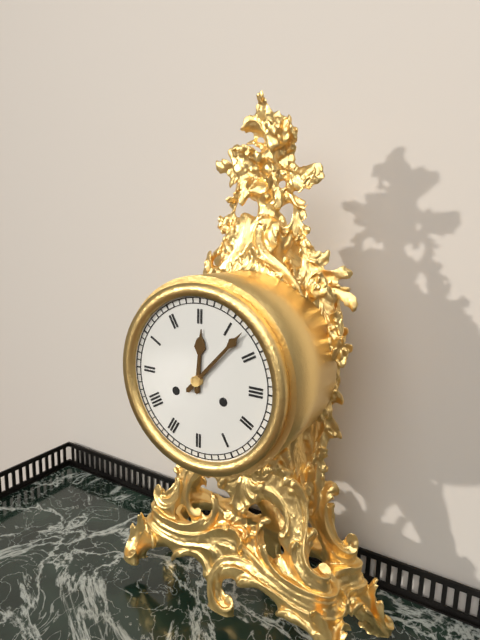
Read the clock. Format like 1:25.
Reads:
12:07
